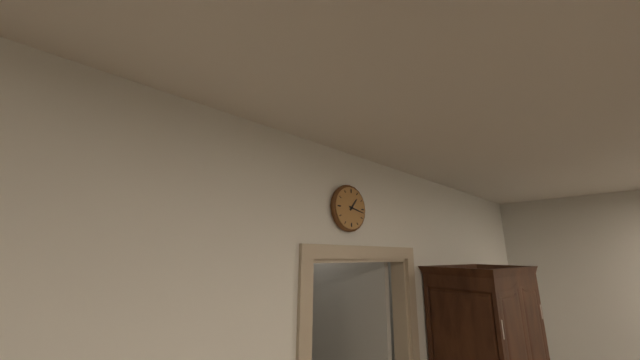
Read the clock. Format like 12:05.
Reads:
1:17
